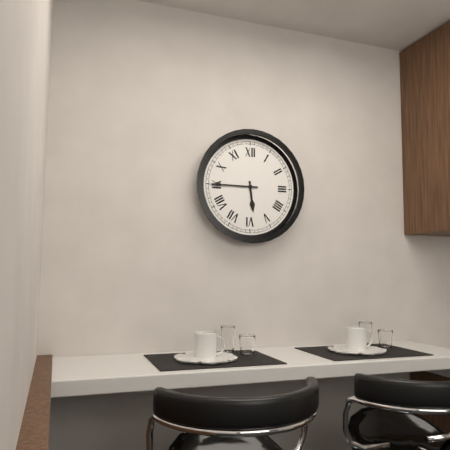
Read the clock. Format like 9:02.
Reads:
5:45
